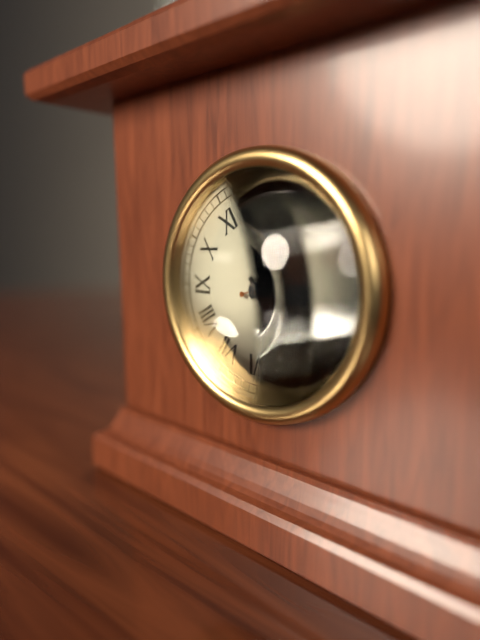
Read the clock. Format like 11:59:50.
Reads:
1:25:12
